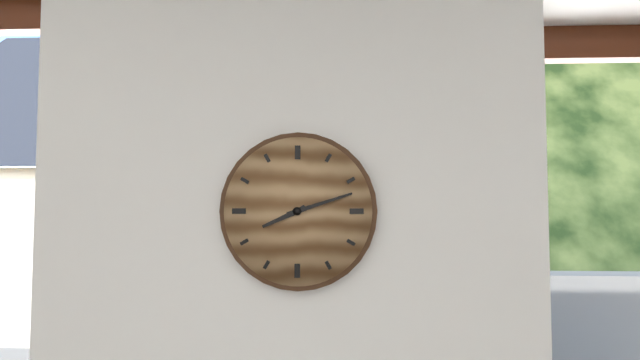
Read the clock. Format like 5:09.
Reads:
8:12
